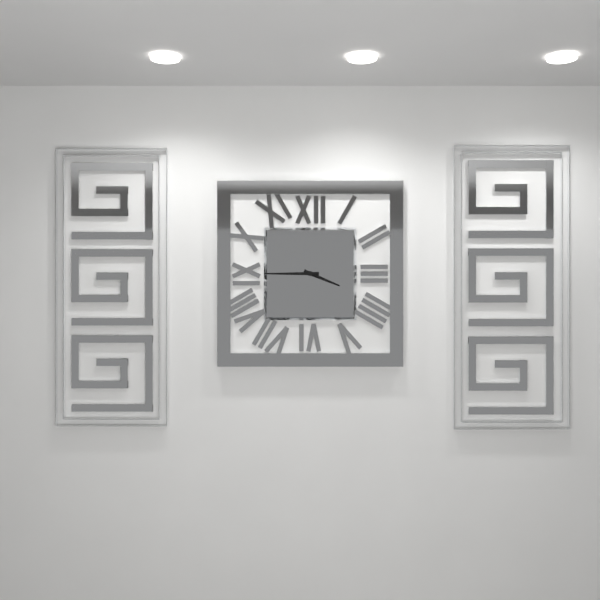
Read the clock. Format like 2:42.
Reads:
3:45
